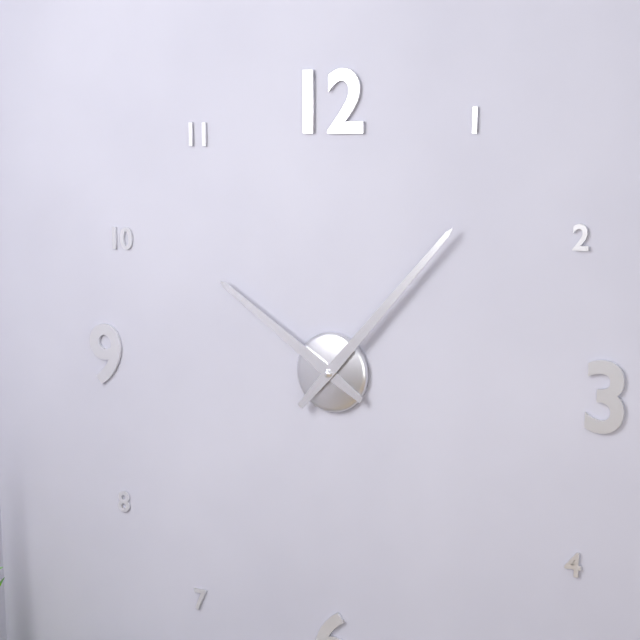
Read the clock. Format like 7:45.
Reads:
10:07
